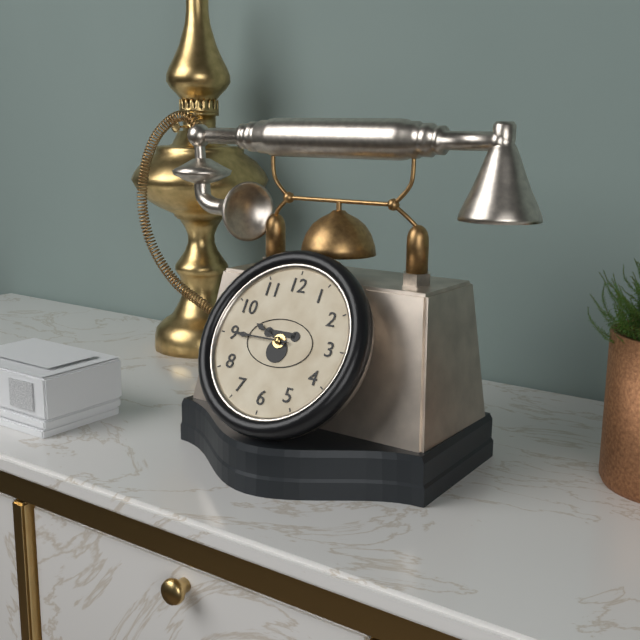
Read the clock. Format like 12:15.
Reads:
9:45
